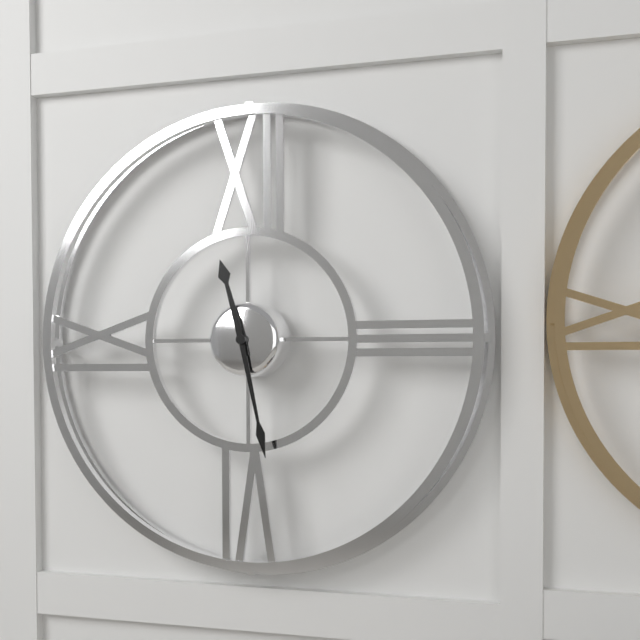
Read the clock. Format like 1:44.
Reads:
11:28
